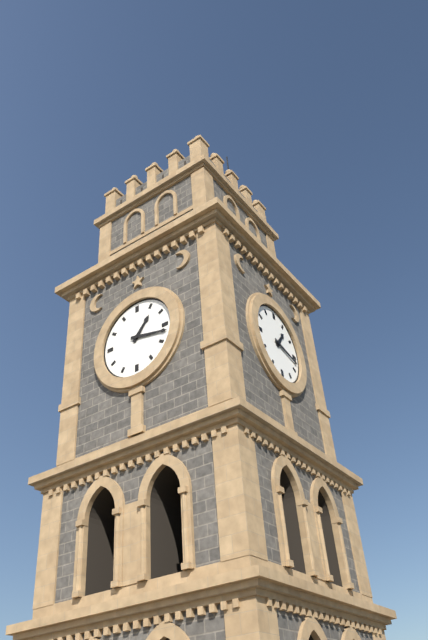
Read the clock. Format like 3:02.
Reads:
1:17
